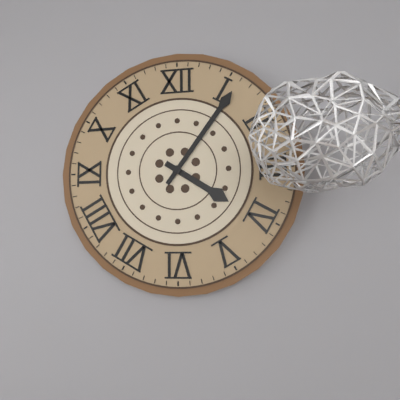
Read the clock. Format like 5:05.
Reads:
4:06
